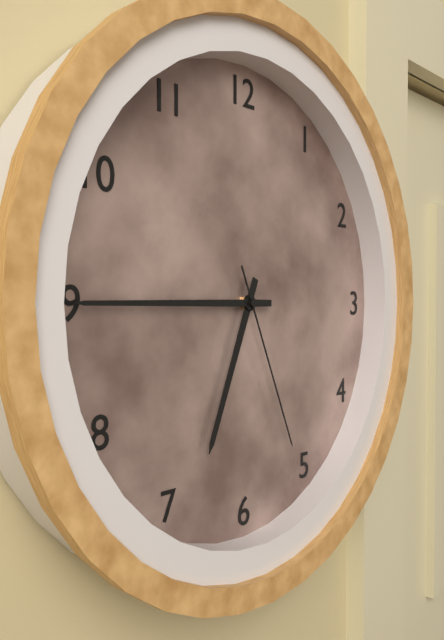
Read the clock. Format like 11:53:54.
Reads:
6:45:26
